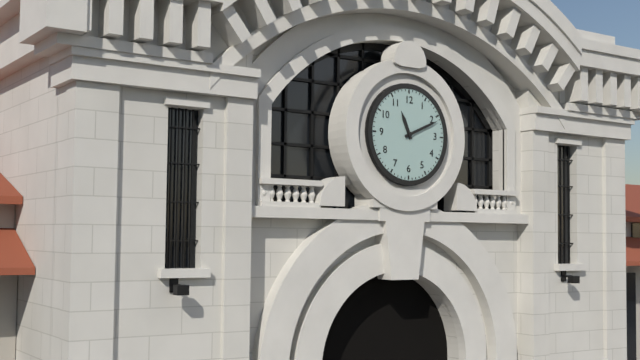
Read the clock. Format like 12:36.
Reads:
11:11
